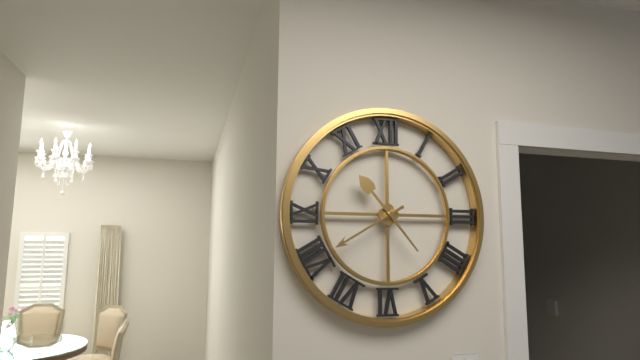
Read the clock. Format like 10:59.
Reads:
10:40
